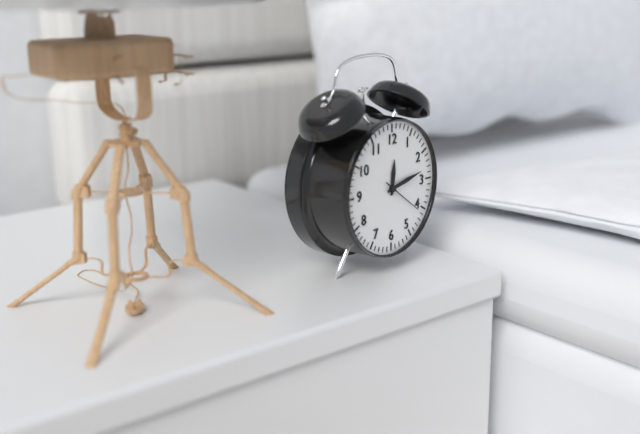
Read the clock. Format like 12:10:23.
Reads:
12:13:21
